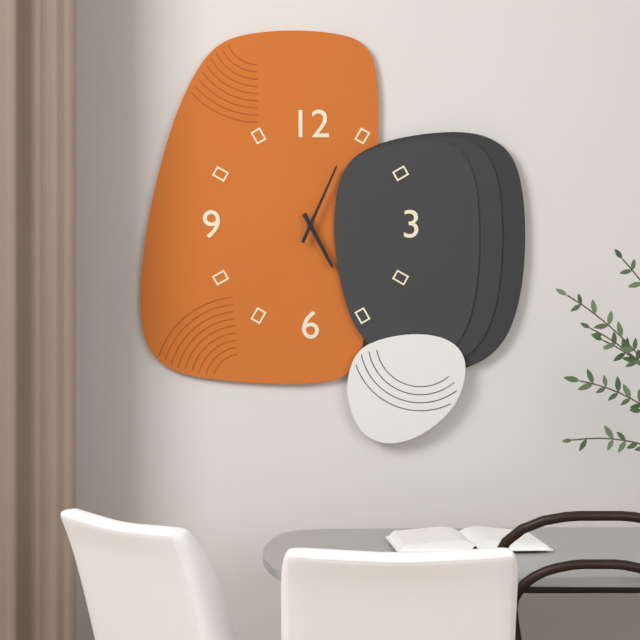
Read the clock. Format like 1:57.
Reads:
5:04
